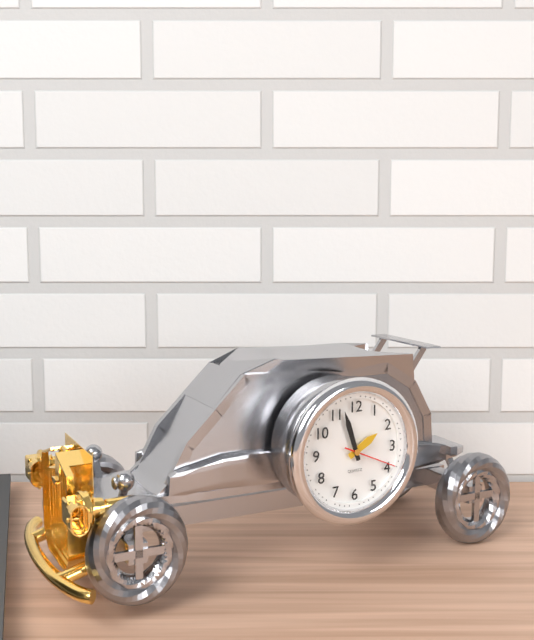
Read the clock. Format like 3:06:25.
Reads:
1:57:19
